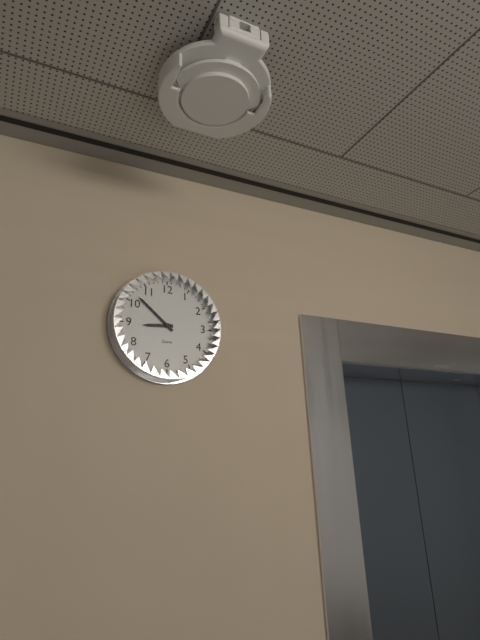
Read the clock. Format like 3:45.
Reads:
8:52
